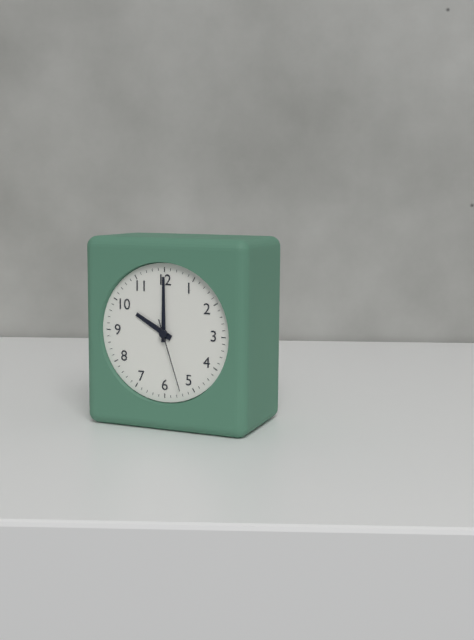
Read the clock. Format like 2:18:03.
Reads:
10:00:27
